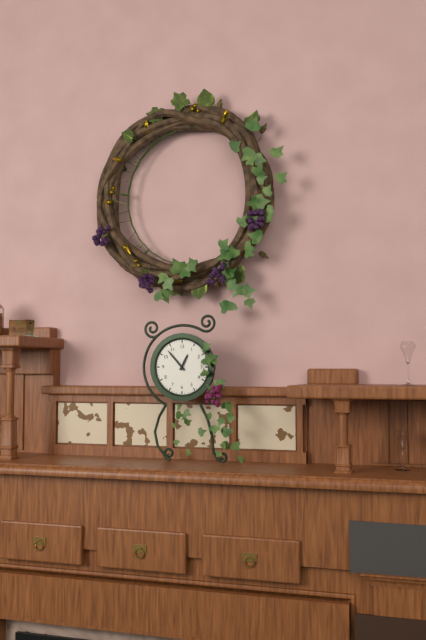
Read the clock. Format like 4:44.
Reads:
12:53
